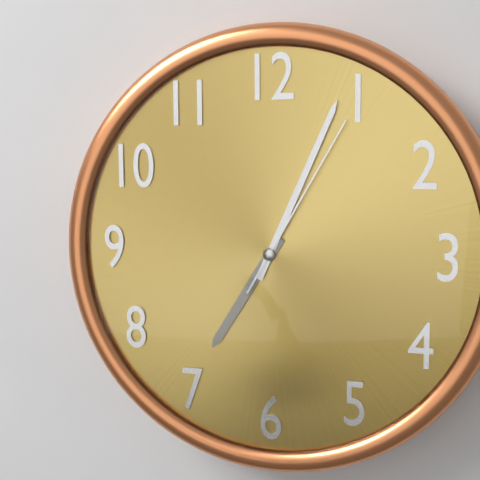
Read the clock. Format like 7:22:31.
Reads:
7:04:05
